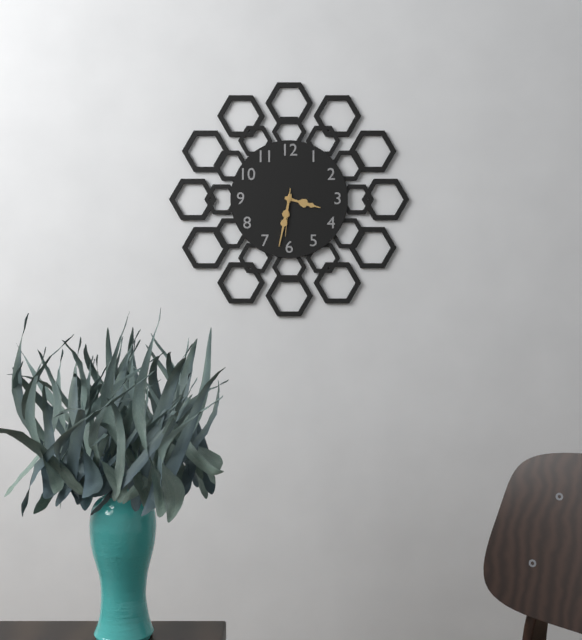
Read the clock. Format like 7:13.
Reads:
3:32
